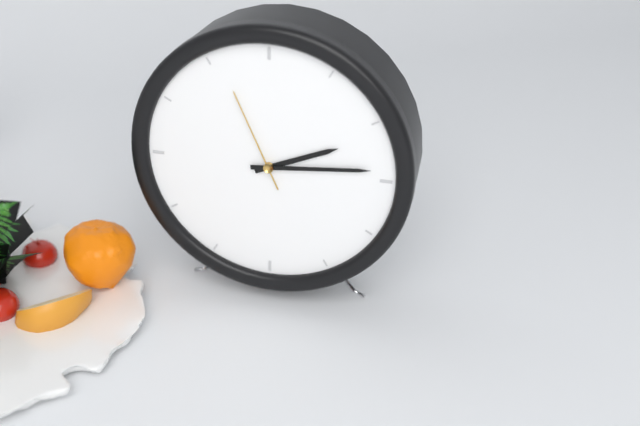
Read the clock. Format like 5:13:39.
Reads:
2:14:56
